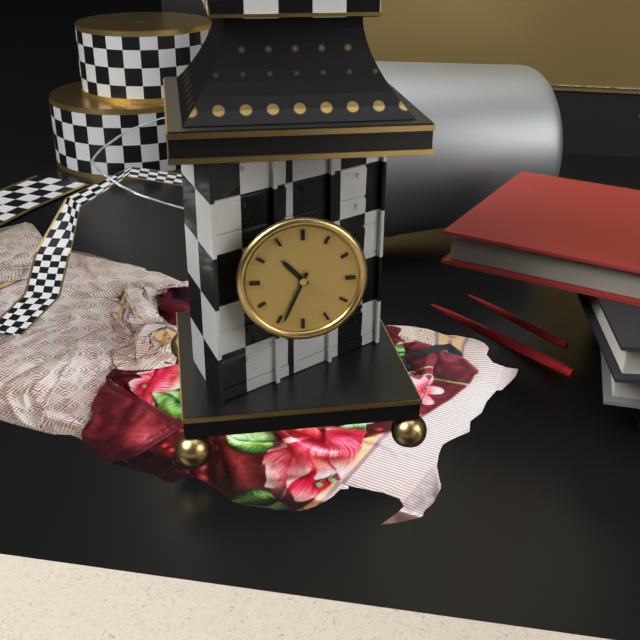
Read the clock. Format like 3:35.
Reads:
10:34
